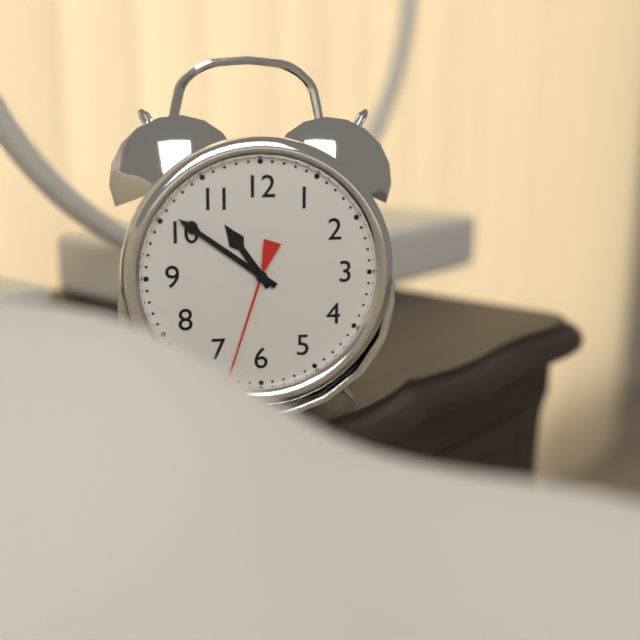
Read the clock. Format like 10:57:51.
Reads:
10:51:33
